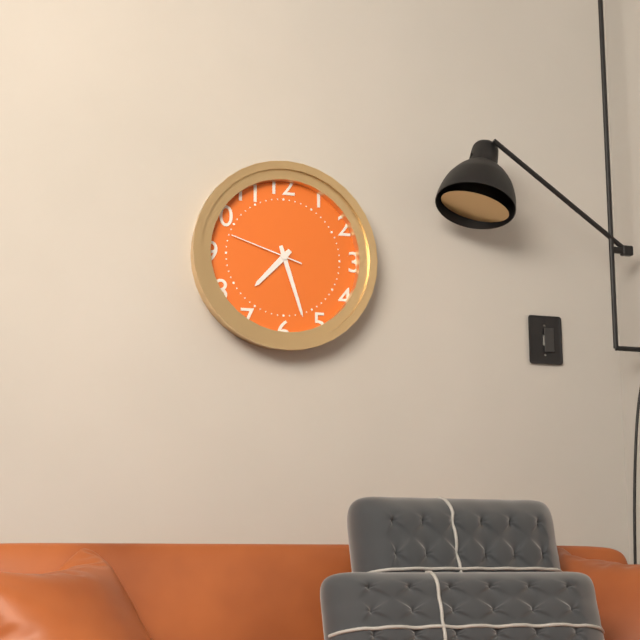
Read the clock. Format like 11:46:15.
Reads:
7:27:48
